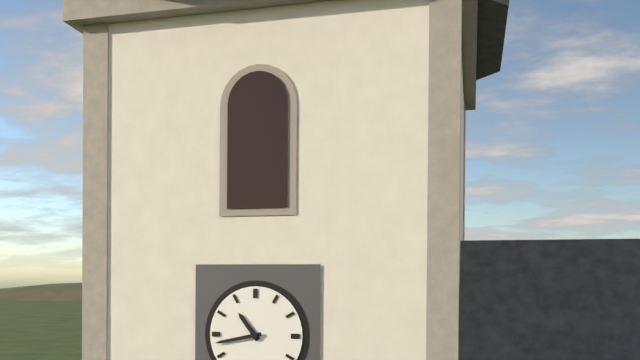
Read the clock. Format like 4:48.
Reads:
10:43
